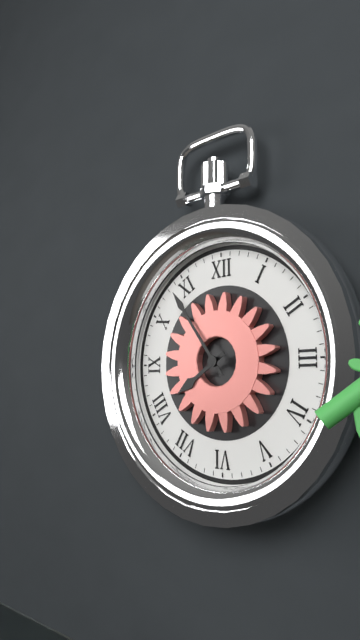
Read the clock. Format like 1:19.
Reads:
7:54
